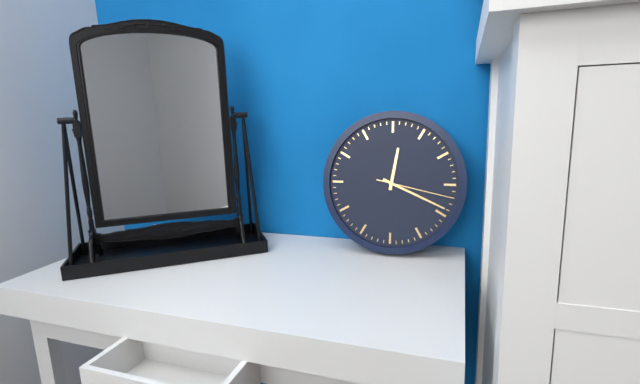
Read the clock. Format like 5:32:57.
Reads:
12:19:17
